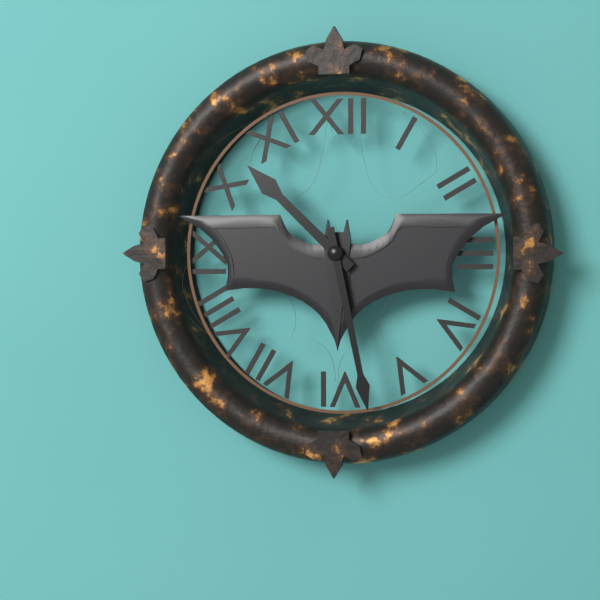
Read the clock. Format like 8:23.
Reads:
10:28
